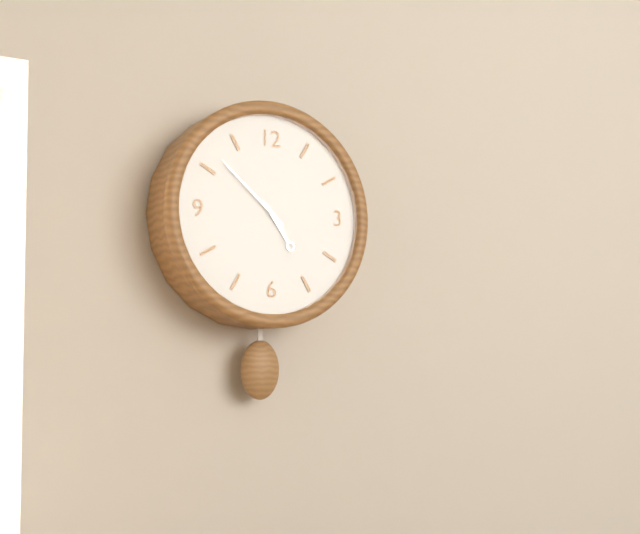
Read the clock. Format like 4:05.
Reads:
4:52
